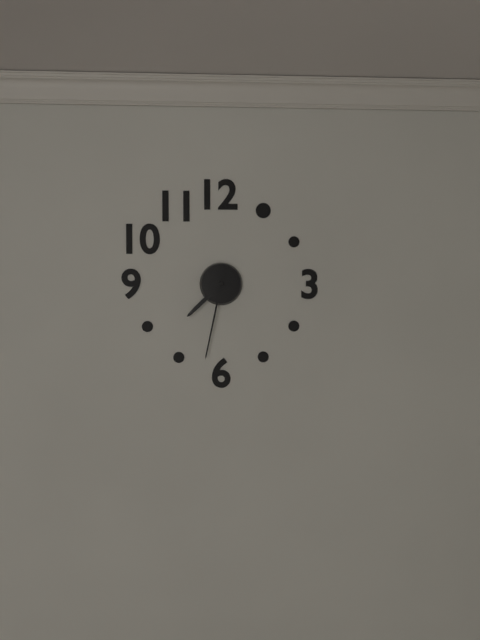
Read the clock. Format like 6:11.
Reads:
7:32
